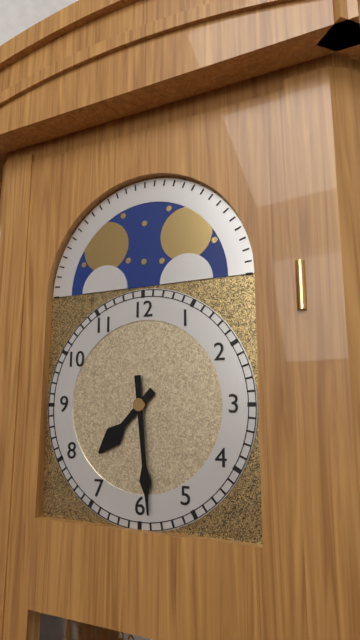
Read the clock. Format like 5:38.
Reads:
7:29
